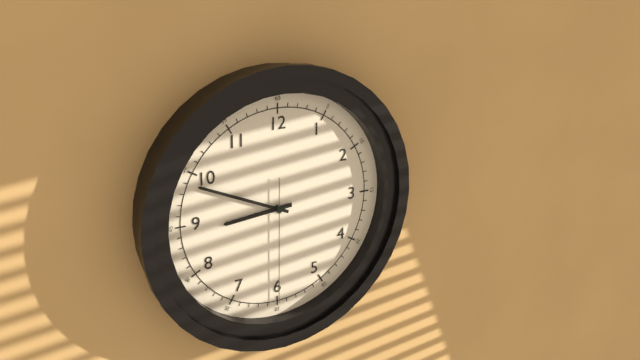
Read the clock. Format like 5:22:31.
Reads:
8:49:30
